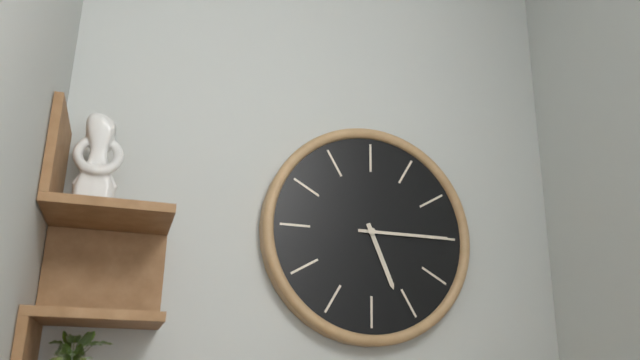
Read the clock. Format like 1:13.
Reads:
5:15
